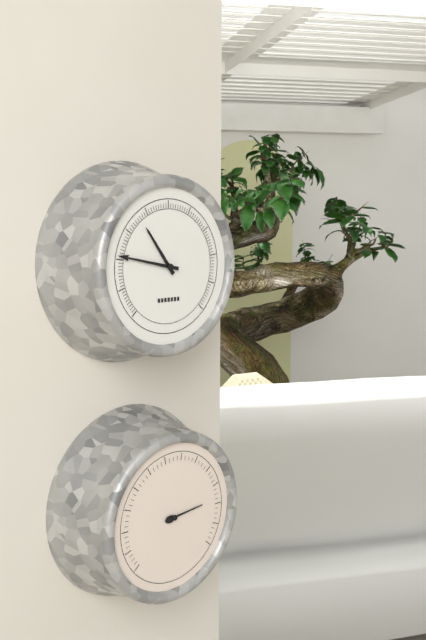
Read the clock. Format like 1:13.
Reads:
10:47
